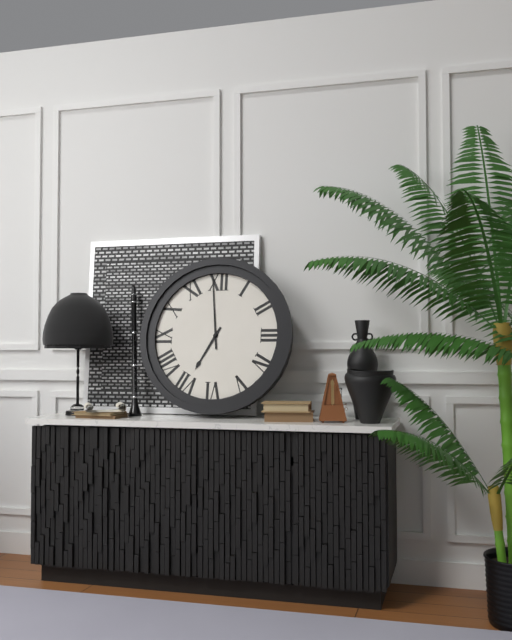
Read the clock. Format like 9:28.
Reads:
6:59
